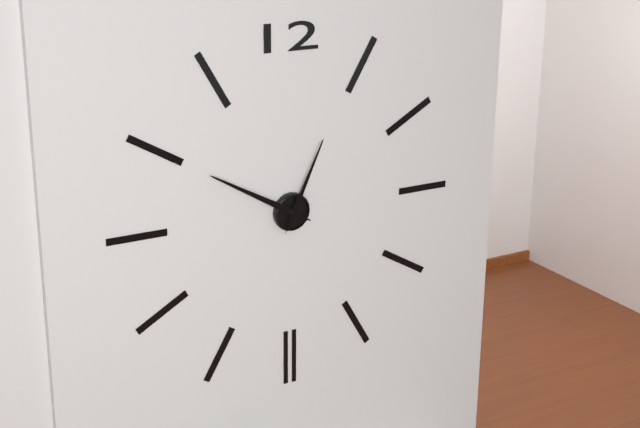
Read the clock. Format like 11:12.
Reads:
12:50
